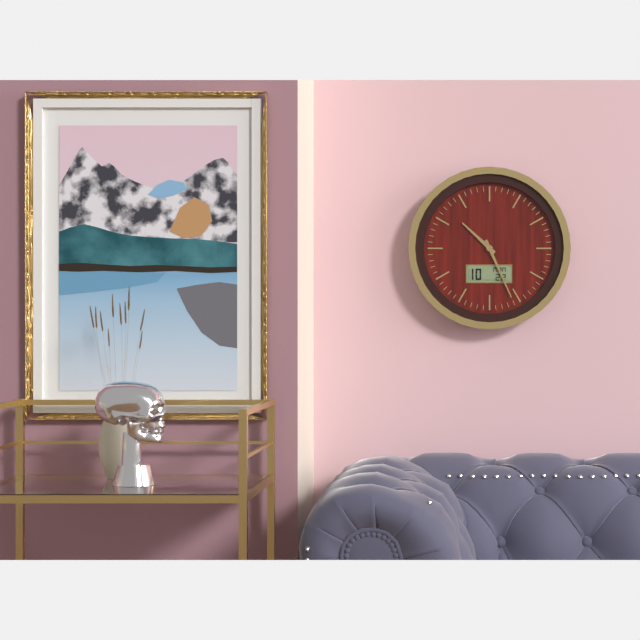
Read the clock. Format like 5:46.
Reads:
10:26
